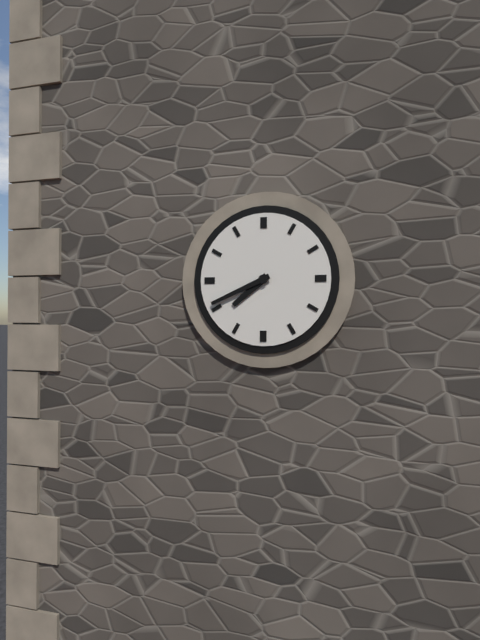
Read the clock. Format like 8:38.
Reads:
7:41
